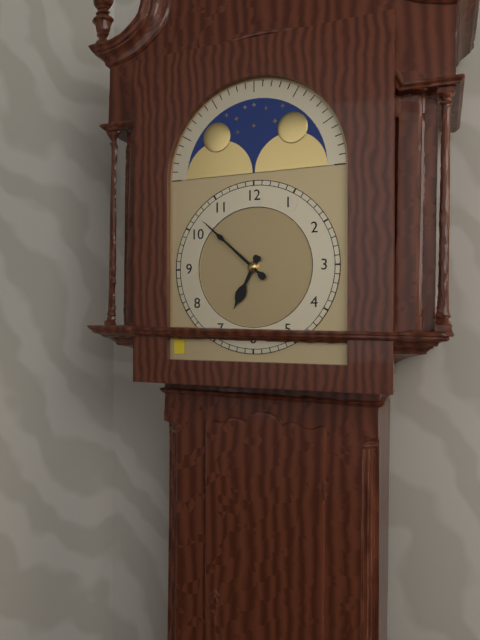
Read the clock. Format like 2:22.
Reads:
6:52
